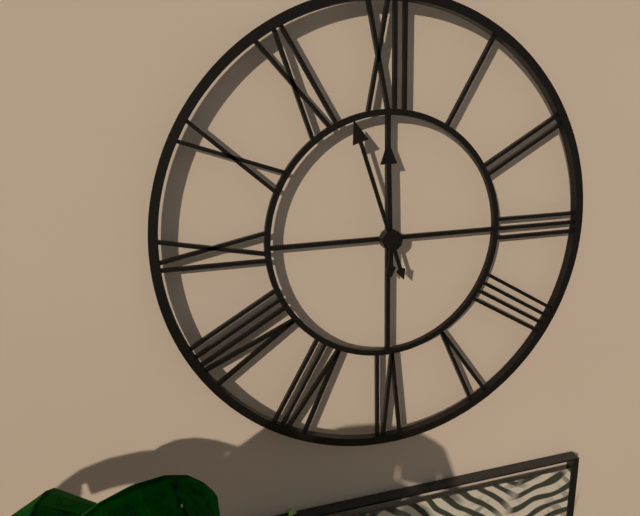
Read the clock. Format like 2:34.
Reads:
11:57
